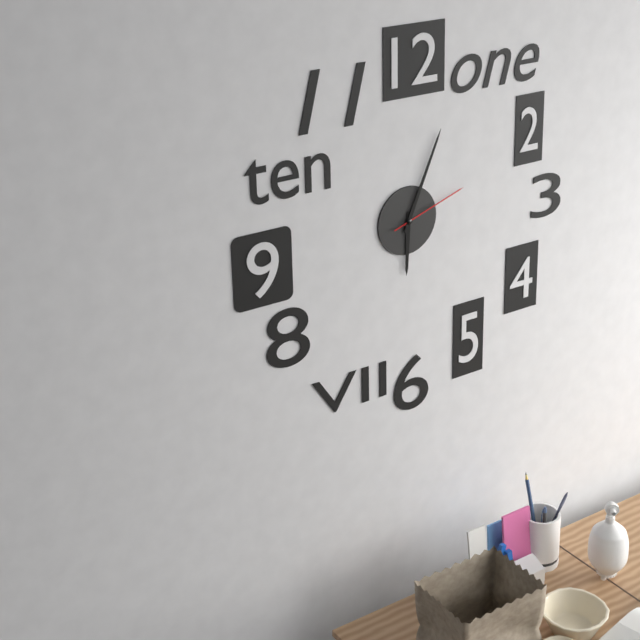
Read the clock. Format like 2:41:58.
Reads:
6:04:12
